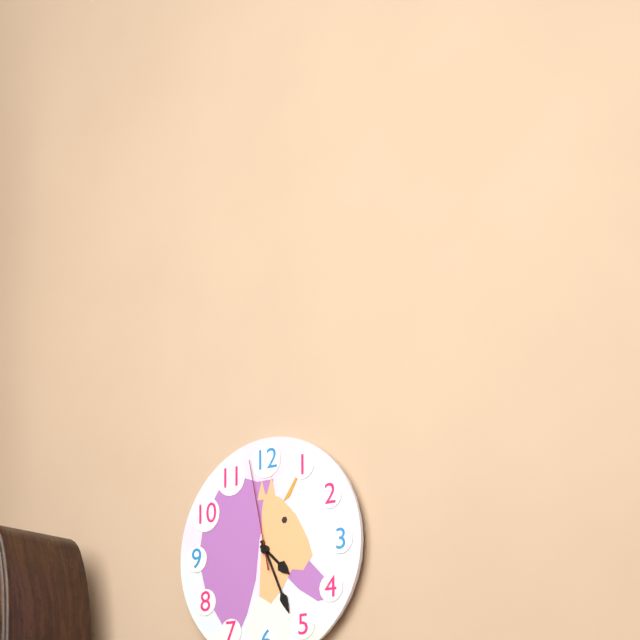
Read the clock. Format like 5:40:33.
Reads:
4:26:58
